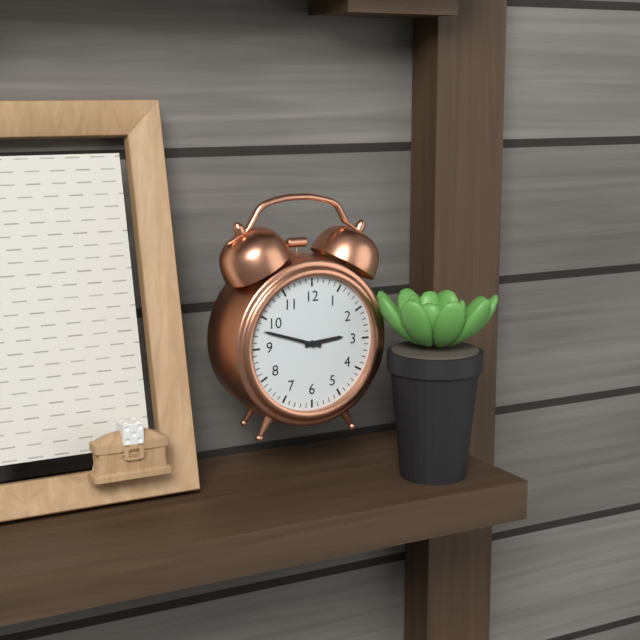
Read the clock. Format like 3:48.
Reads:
2:48
